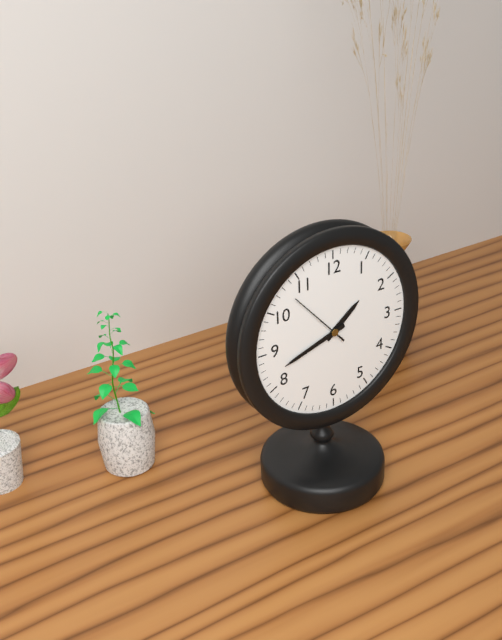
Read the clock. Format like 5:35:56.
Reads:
1:42:53
